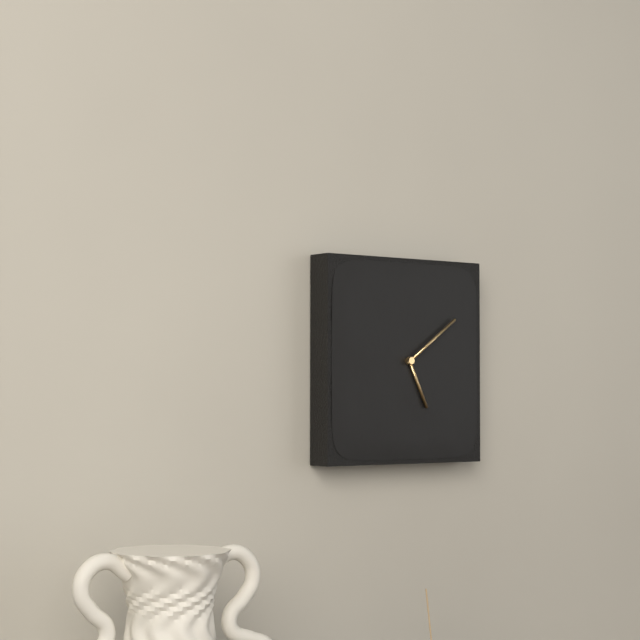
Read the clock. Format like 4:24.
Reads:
5:09
